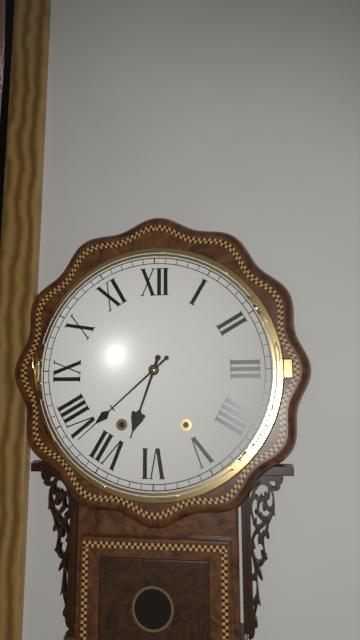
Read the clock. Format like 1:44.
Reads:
6:38
